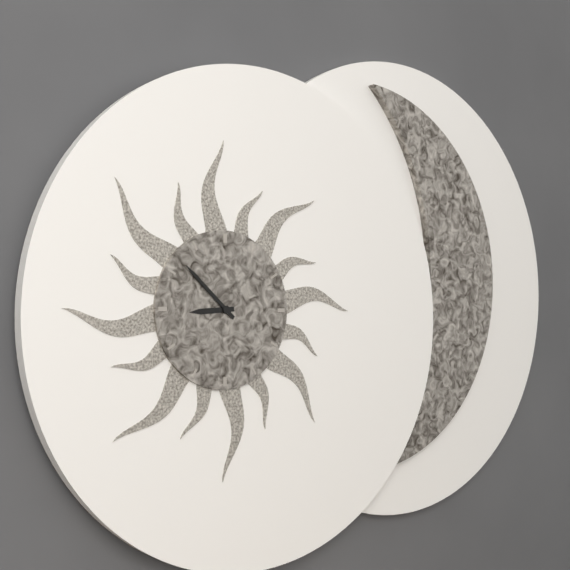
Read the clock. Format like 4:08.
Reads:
8:52
